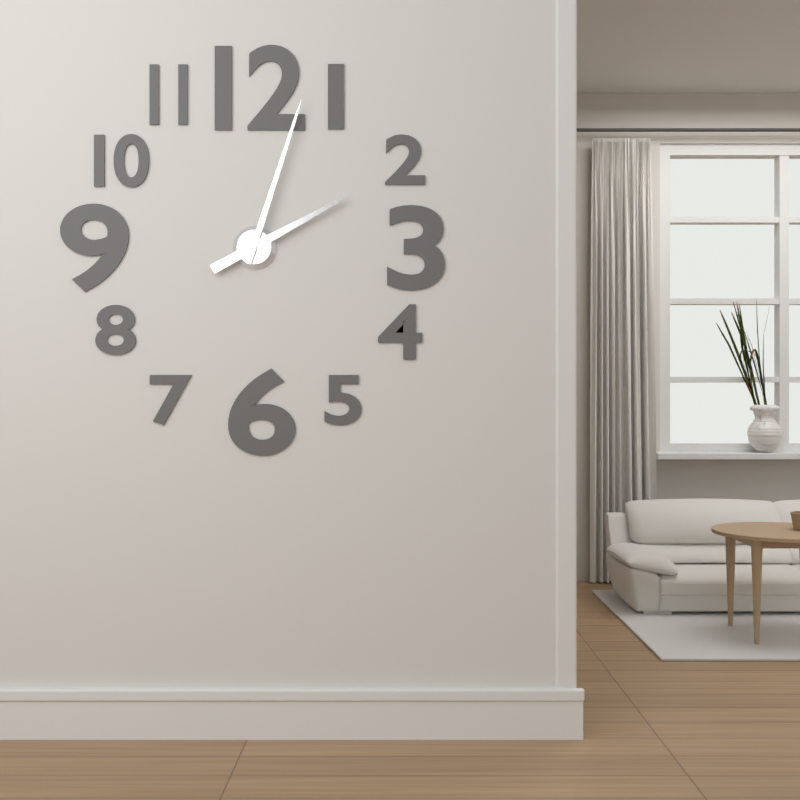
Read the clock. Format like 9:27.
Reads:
2:03
